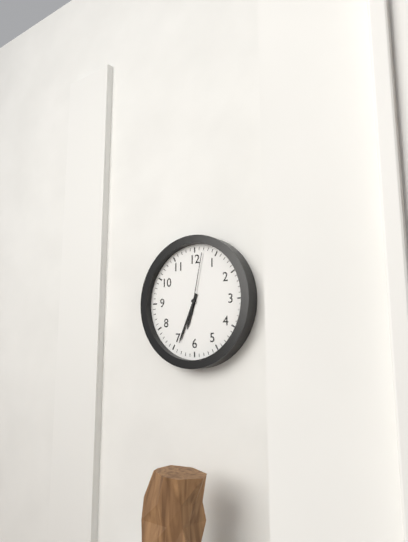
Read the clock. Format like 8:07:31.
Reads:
6:34:02
